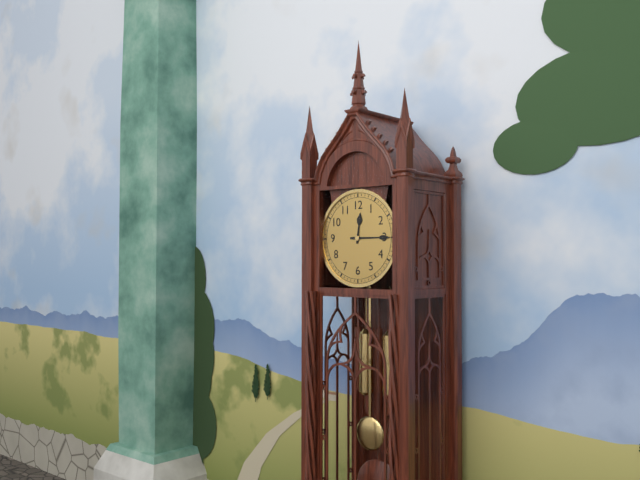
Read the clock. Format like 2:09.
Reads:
12:15
